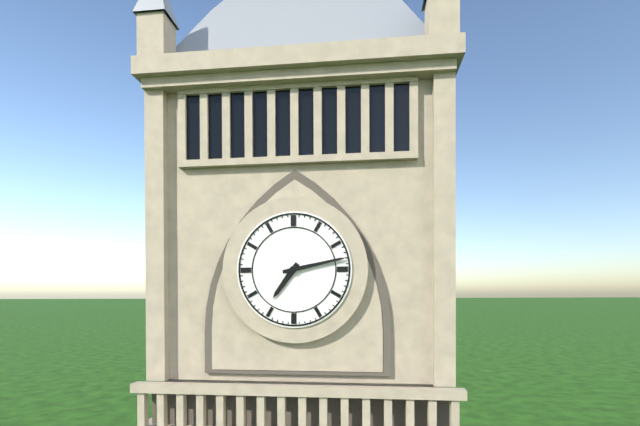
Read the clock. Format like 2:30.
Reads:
7:13
